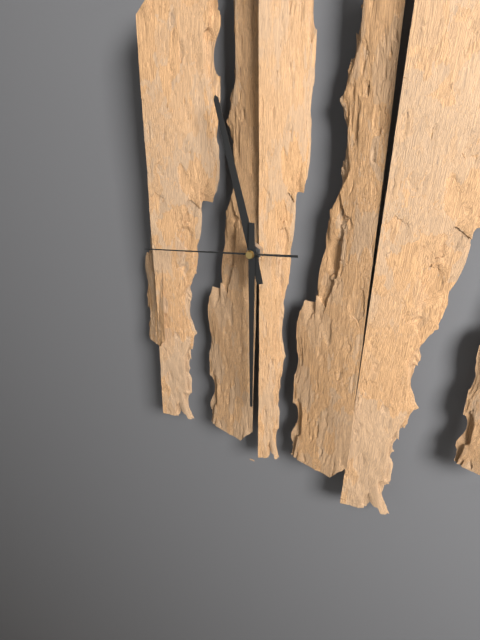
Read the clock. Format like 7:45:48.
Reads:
11:30:44
